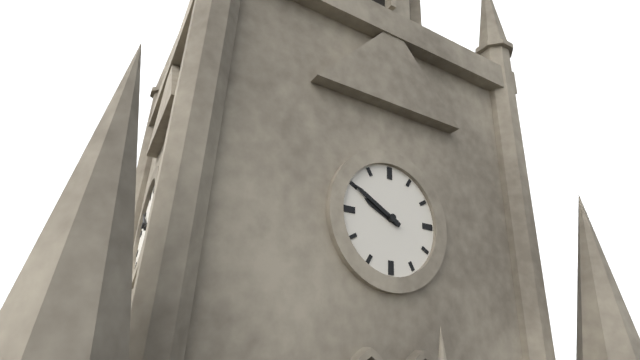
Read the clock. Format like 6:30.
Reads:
9:50
